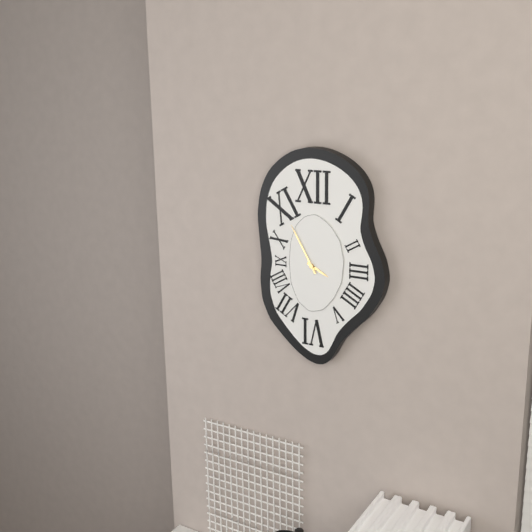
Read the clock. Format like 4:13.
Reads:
3:55
